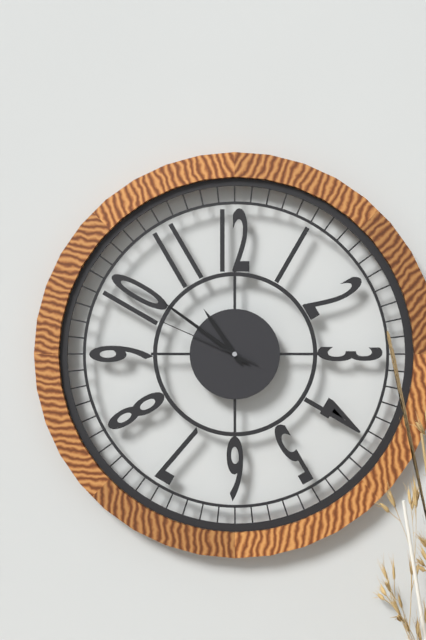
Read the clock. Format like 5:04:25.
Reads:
10:51:49
